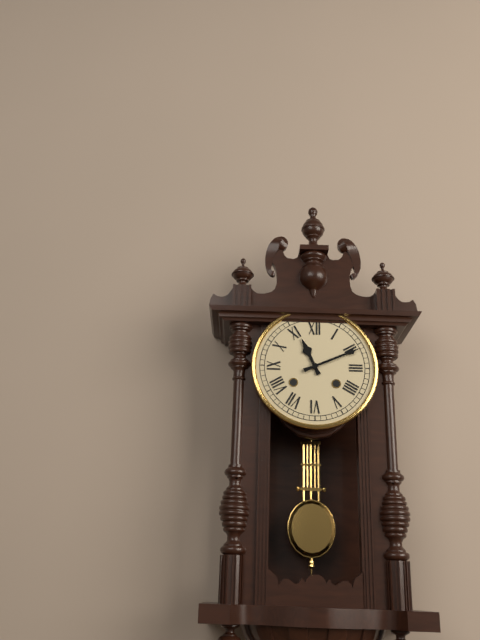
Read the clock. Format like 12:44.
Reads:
11:11
